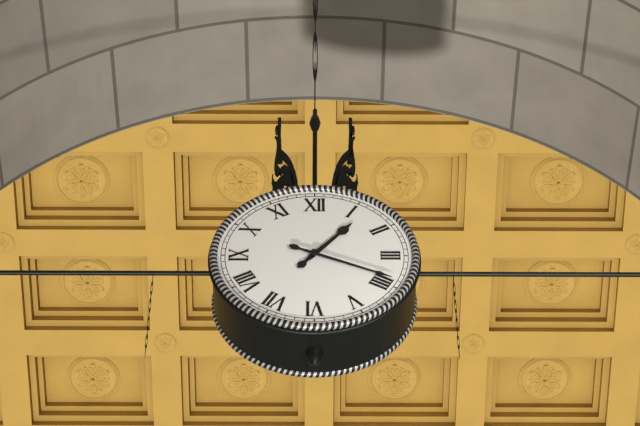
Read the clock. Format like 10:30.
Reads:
1:19
